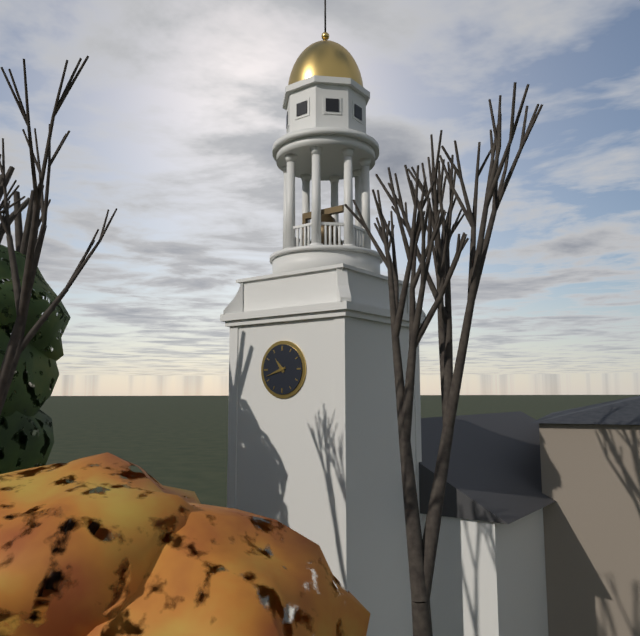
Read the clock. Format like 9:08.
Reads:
10:42
